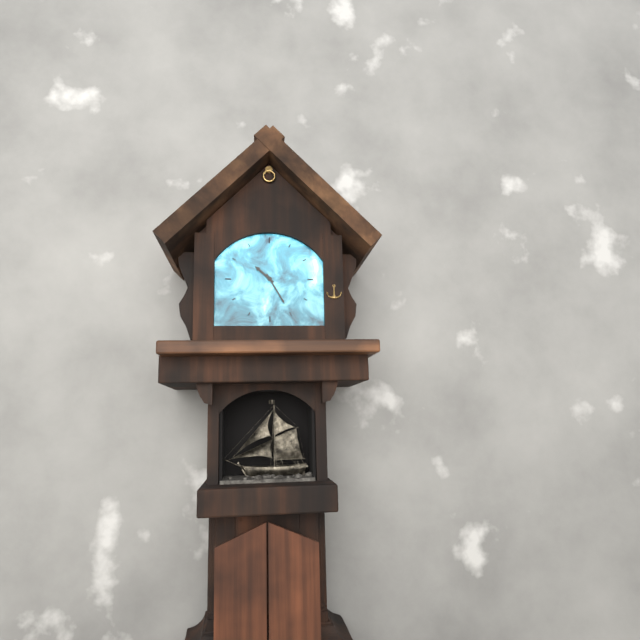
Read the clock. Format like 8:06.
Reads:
10:25
